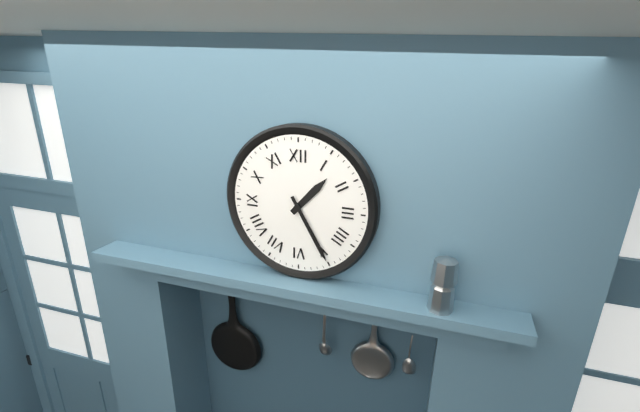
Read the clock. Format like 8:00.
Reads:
1:25
